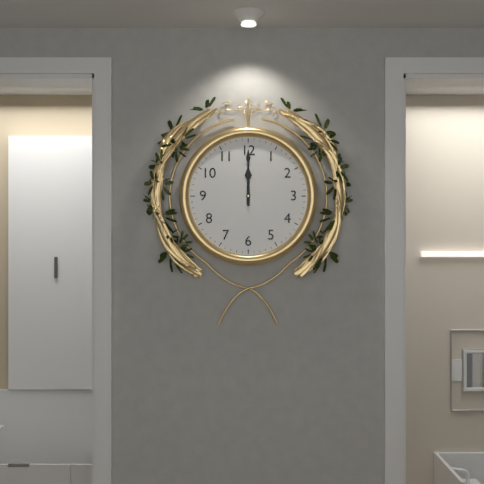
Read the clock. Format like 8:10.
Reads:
12:00
